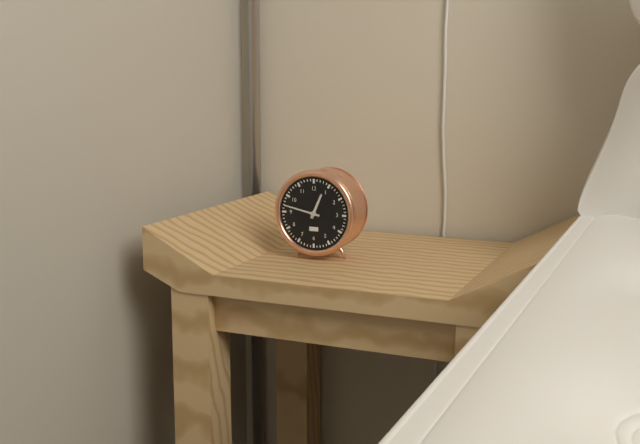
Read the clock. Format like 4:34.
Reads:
12:47
